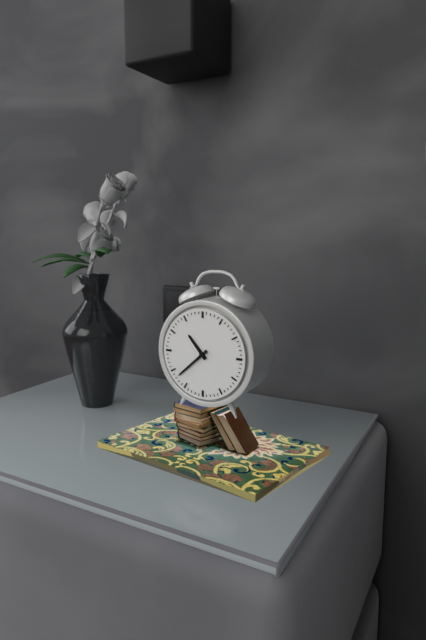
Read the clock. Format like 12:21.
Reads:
10:38
